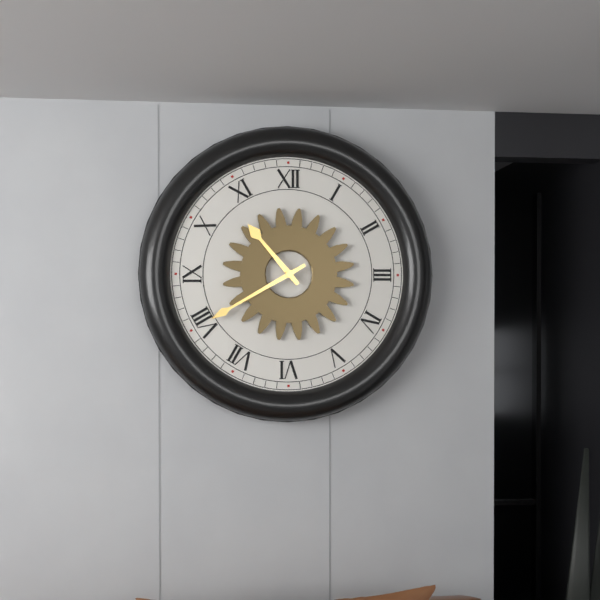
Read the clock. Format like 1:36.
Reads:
10:40
